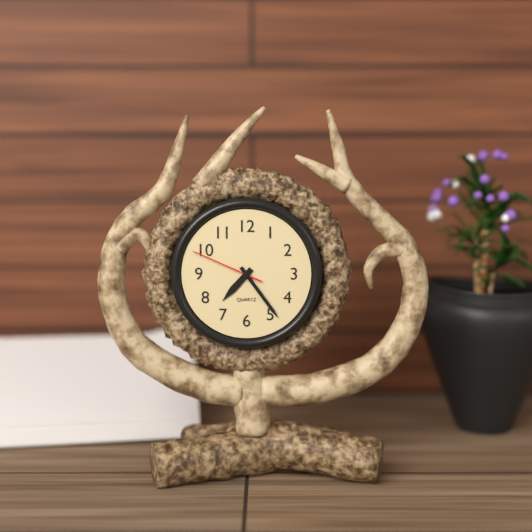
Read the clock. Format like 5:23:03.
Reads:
7:24:49
